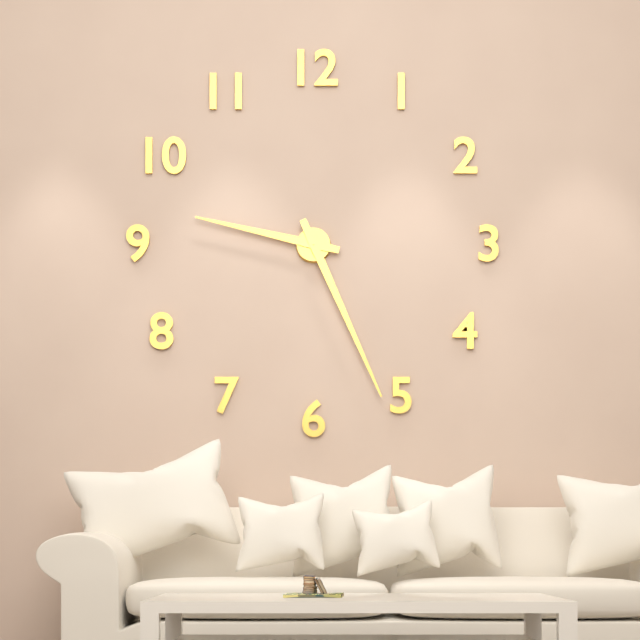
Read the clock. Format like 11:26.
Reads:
9:26
